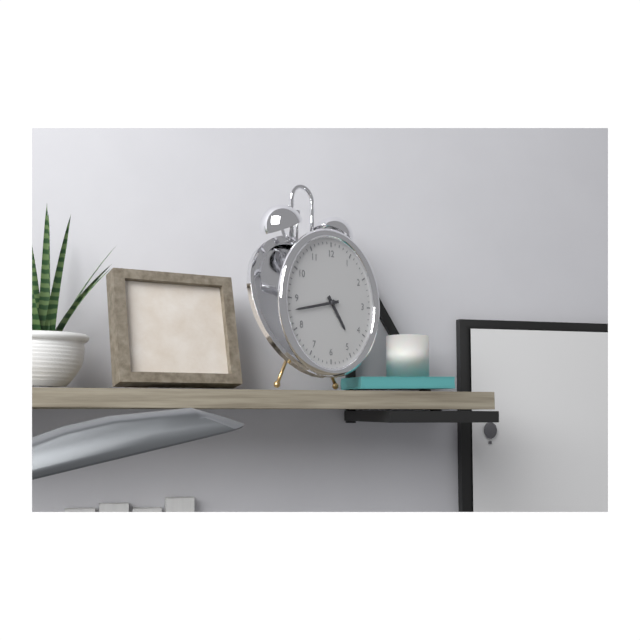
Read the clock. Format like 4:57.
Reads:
4:43
